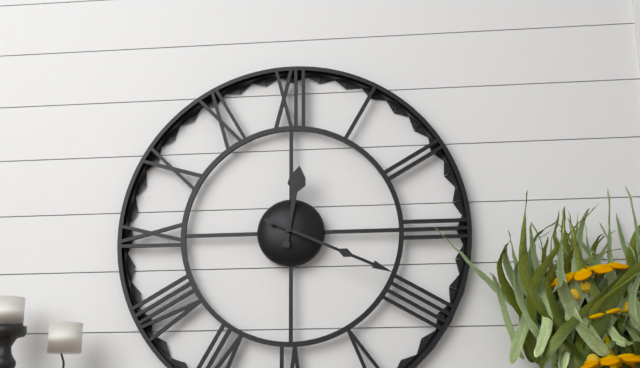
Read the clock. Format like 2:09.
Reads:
12:19
